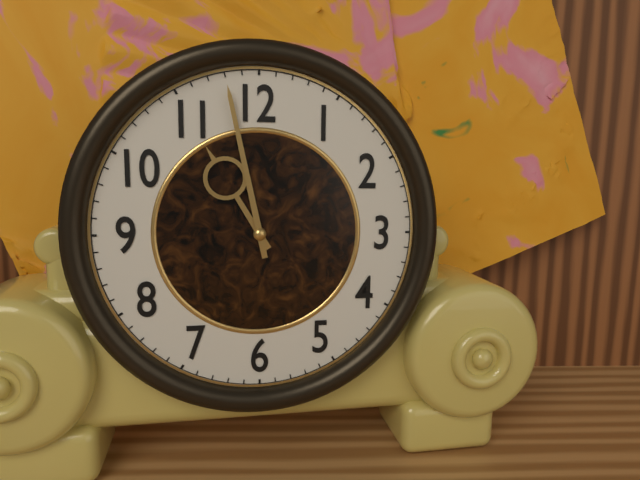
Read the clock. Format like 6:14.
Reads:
10:58
